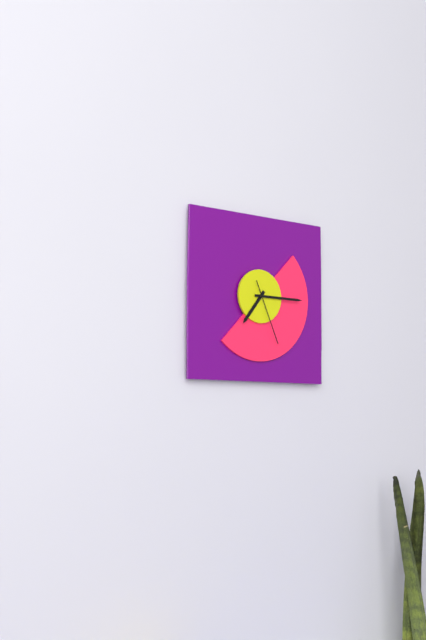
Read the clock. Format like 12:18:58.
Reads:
7:15:26
